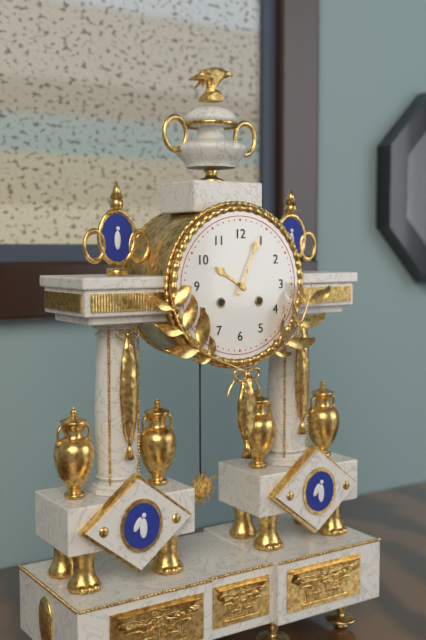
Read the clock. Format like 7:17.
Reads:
10:04
